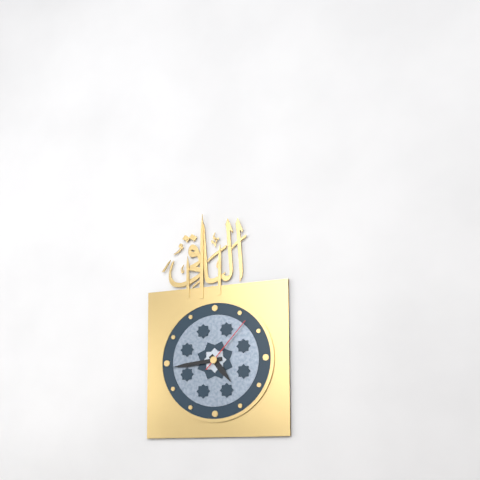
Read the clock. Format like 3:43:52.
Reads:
4:44:07
